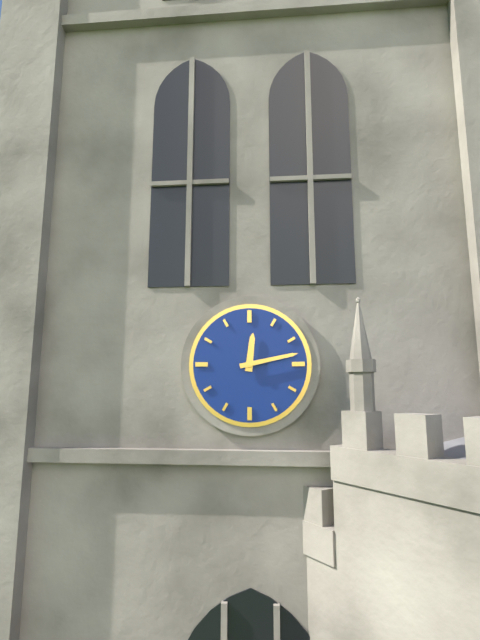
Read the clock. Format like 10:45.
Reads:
12:13
